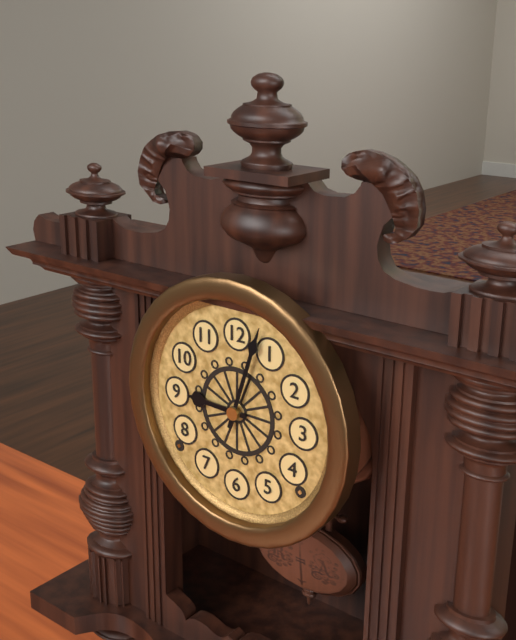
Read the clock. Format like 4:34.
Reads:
9:03
